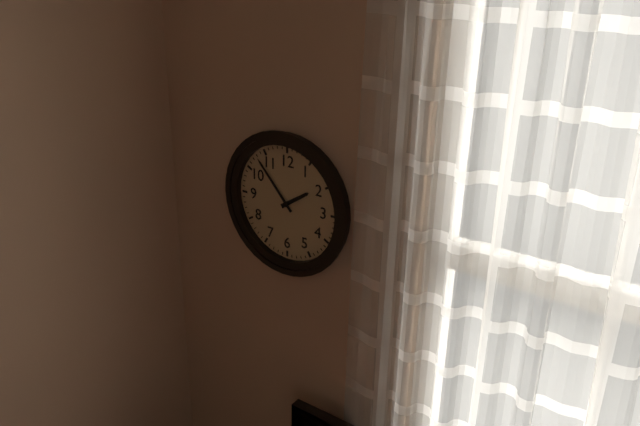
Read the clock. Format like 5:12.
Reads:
1:53
